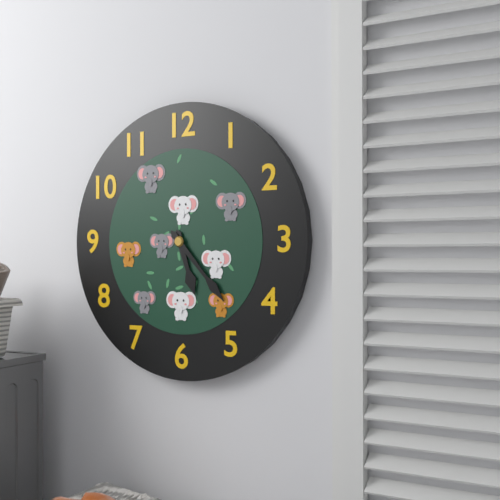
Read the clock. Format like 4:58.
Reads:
5:23
